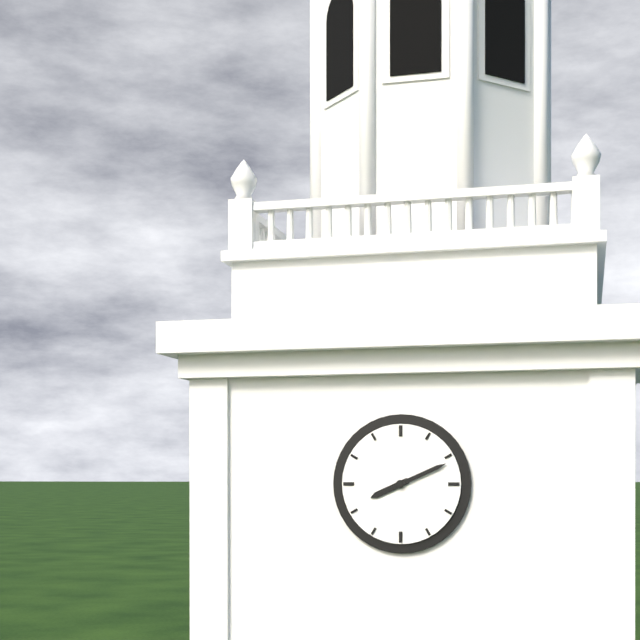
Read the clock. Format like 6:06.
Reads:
8:11
